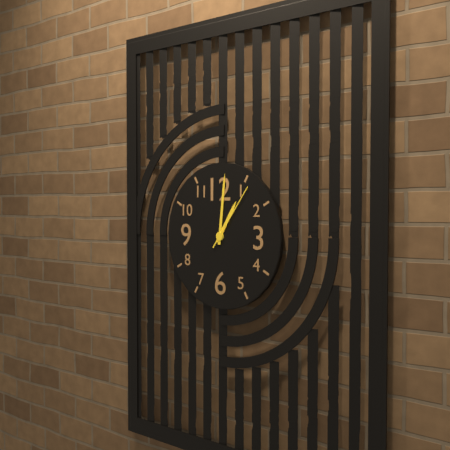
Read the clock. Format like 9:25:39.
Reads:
1:01:06
